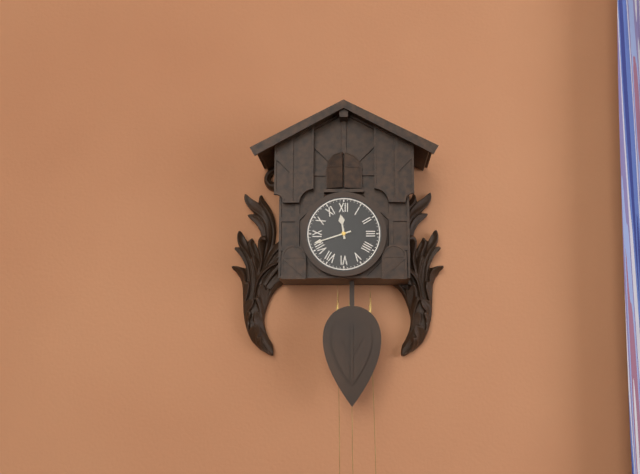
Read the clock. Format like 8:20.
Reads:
11:42
